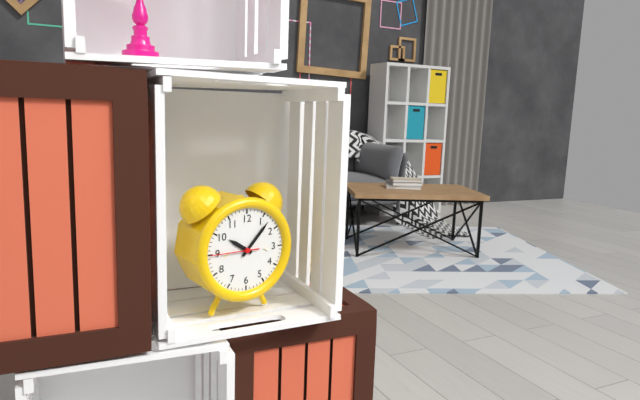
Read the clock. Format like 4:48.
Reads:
10:07
